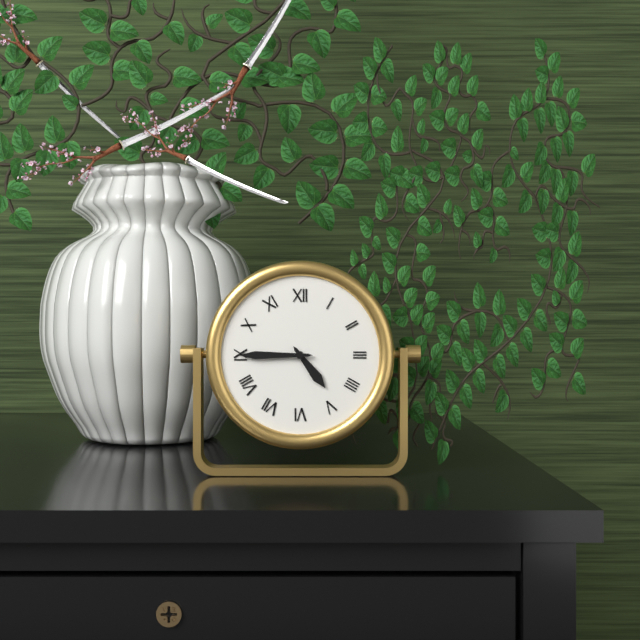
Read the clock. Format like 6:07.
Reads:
4:45
